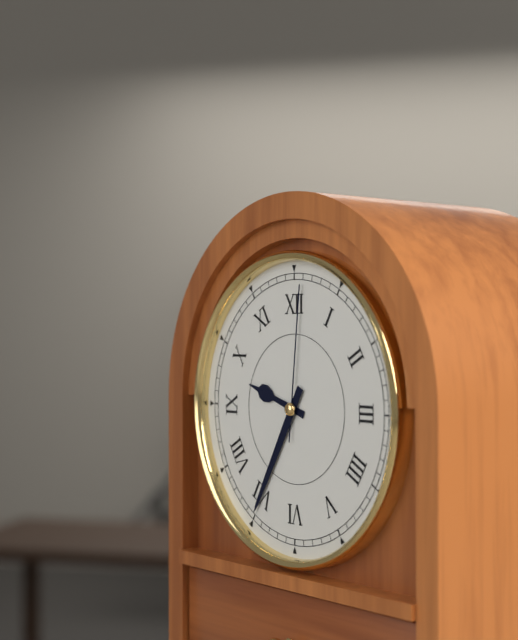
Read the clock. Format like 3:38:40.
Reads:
9:35:01
